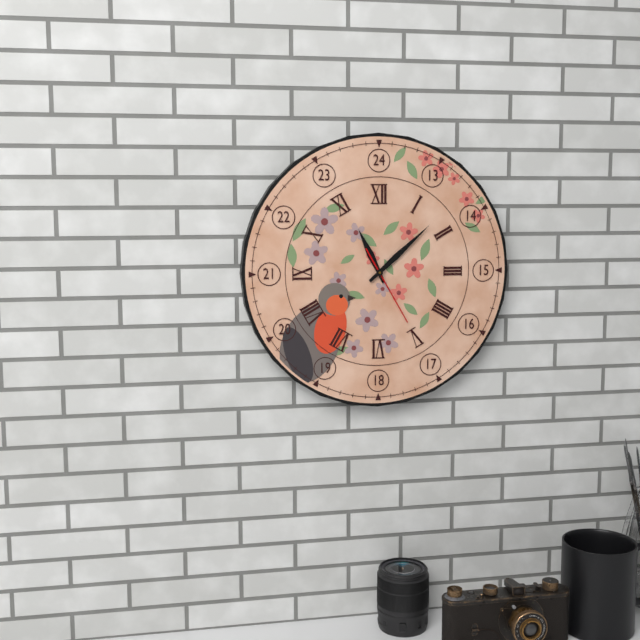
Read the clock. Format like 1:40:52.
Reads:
11:08:25
